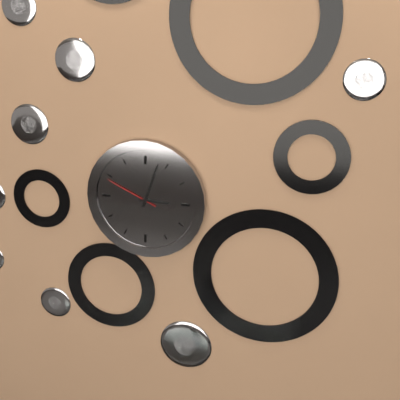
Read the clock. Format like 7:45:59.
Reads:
3:03:49
